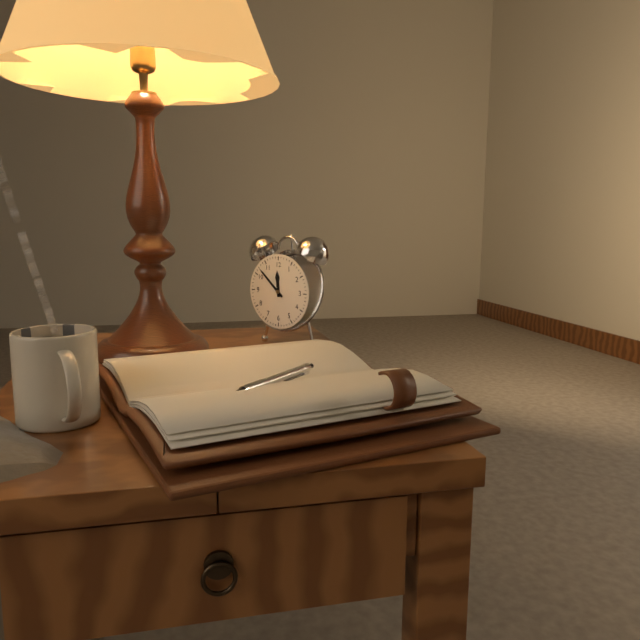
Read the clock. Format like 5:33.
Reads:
11:52
